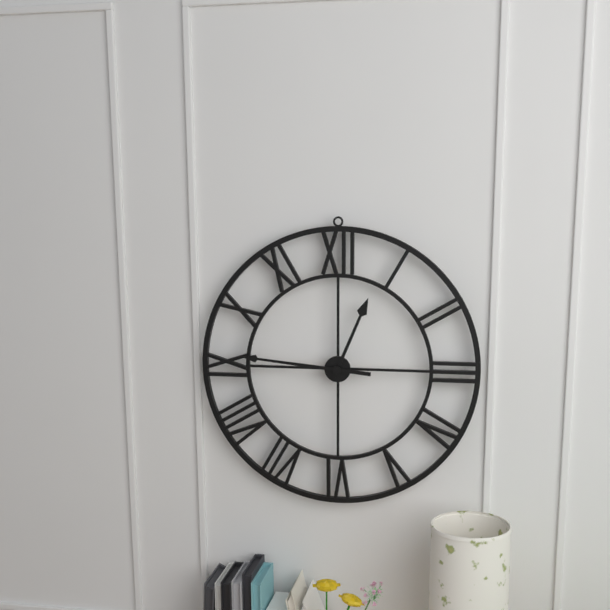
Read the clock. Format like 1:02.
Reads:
12:46
